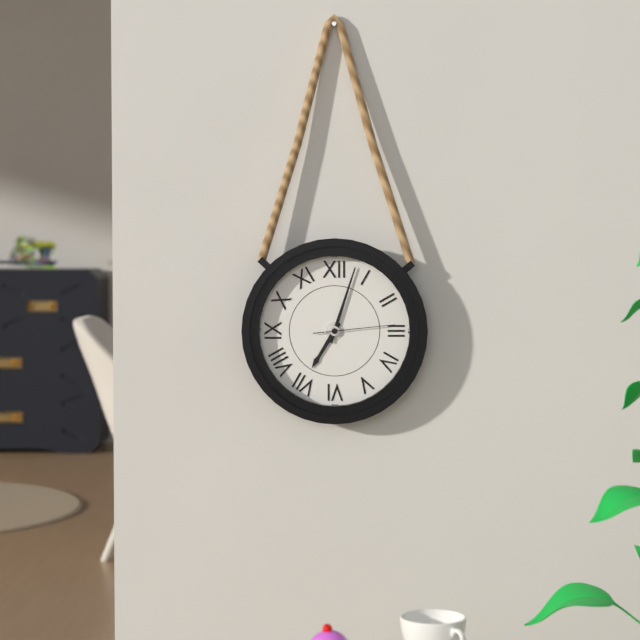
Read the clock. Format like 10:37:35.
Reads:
7:03:14
